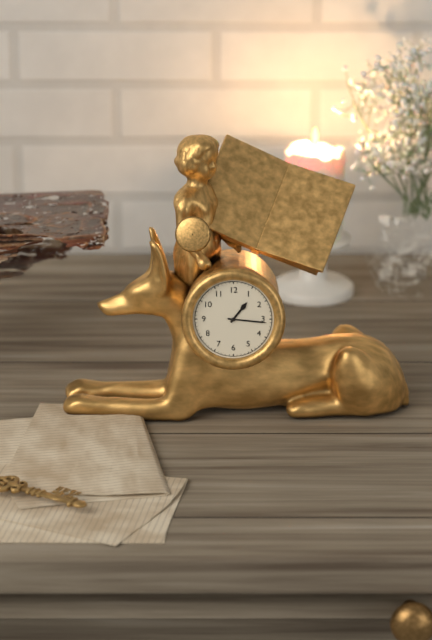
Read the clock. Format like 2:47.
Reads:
1:16
